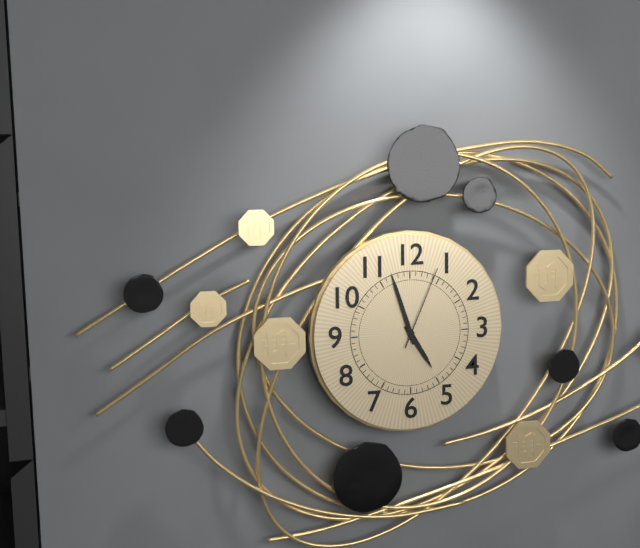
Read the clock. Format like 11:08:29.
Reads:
4:57:04
